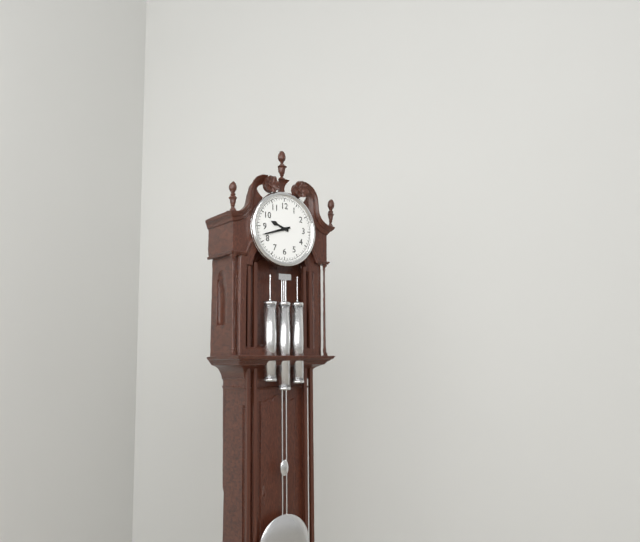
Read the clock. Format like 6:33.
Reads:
9:42
